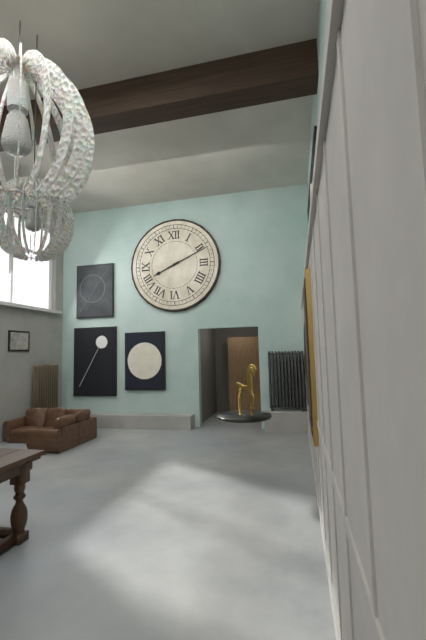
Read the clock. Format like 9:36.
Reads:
8:11
